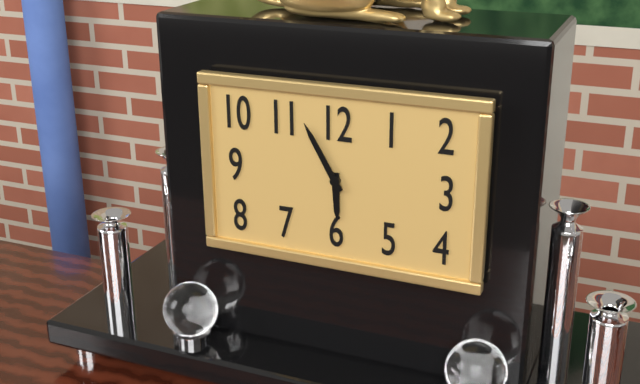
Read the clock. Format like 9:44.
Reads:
5:55
